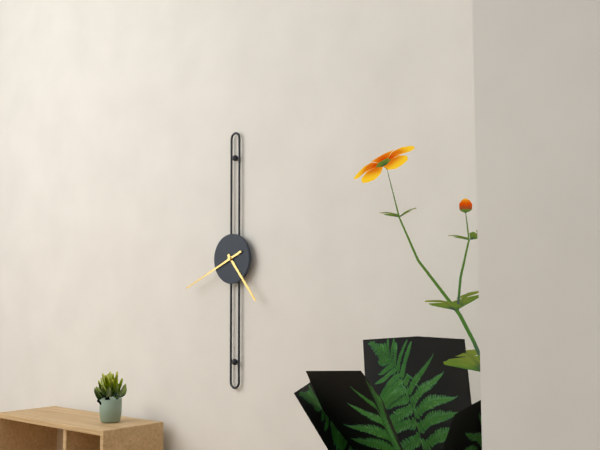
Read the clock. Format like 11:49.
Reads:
4:41
